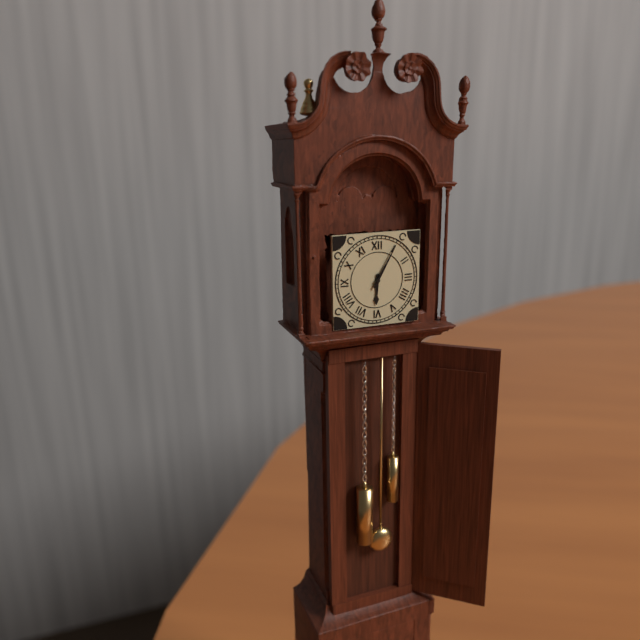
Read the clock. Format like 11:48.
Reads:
6:05
